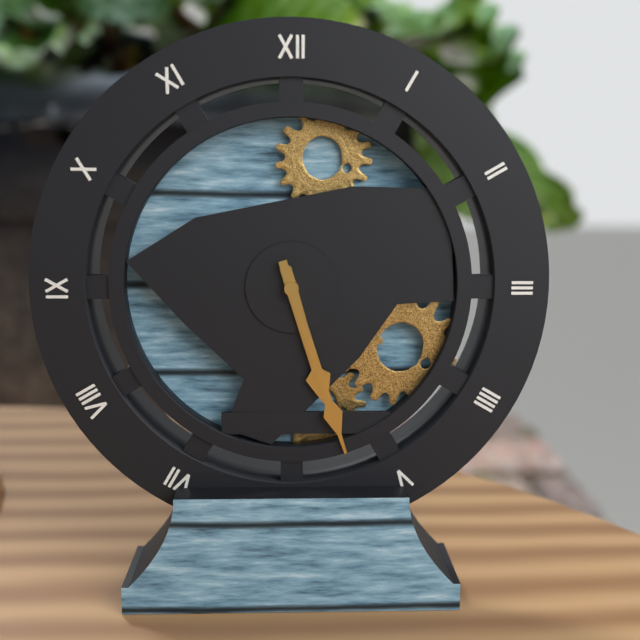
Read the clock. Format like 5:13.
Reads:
5:27
